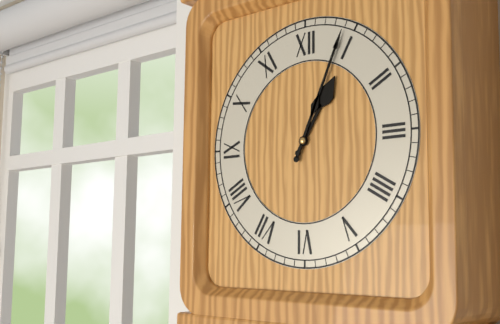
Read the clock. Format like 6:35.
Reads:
1:04
